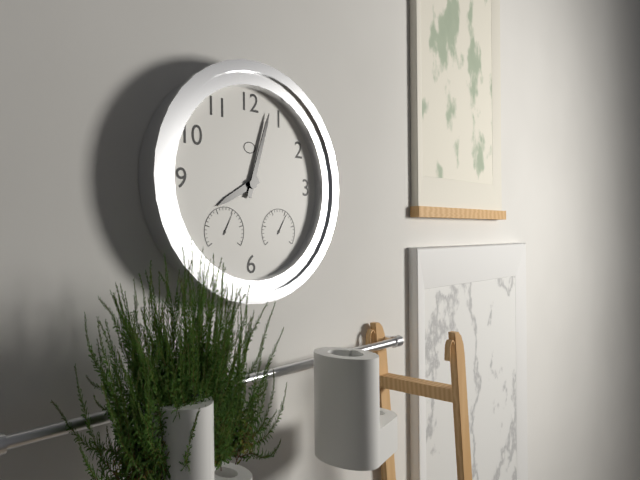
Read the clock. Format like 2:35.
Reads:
8:03
